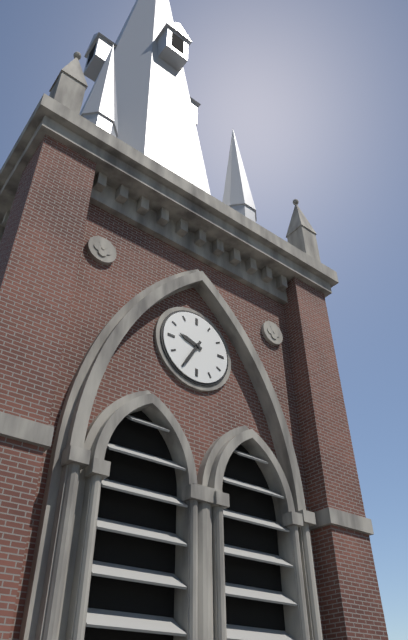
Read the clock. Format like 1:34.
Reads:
9:35
